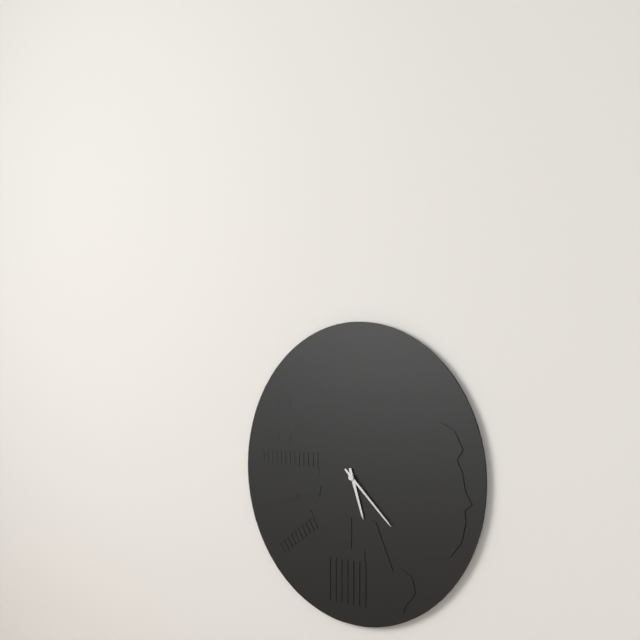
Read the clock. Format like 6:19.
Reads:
5:22
